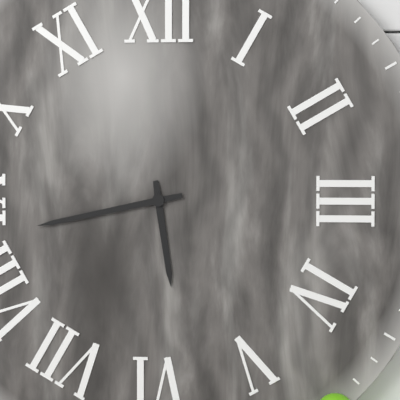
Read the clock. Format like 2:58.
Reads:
5:43
